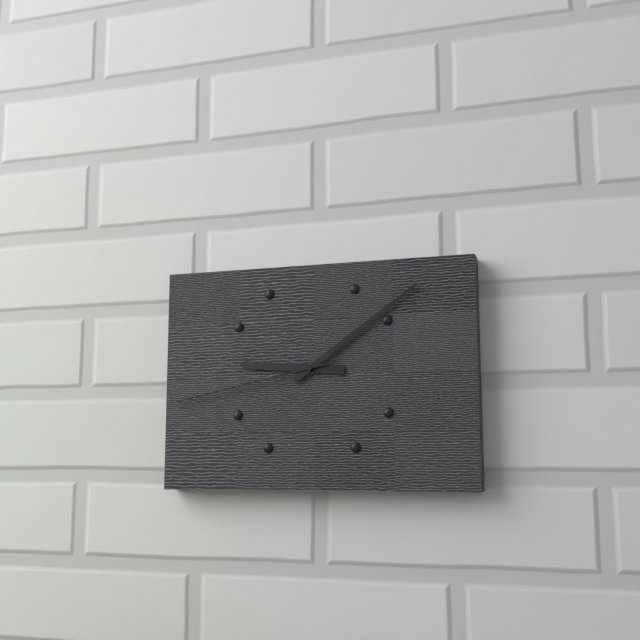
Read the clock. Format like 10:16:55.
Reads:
9:09:43
